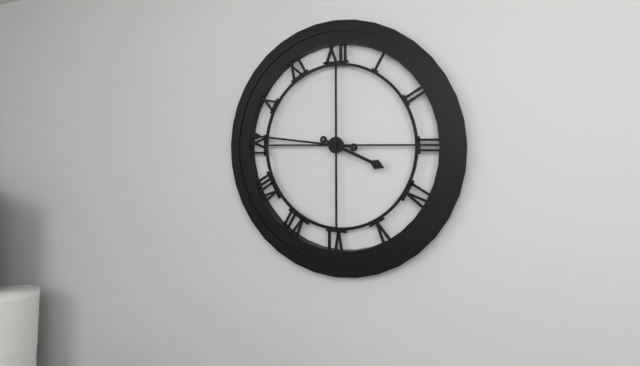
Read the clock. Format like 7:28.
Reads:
3:46
